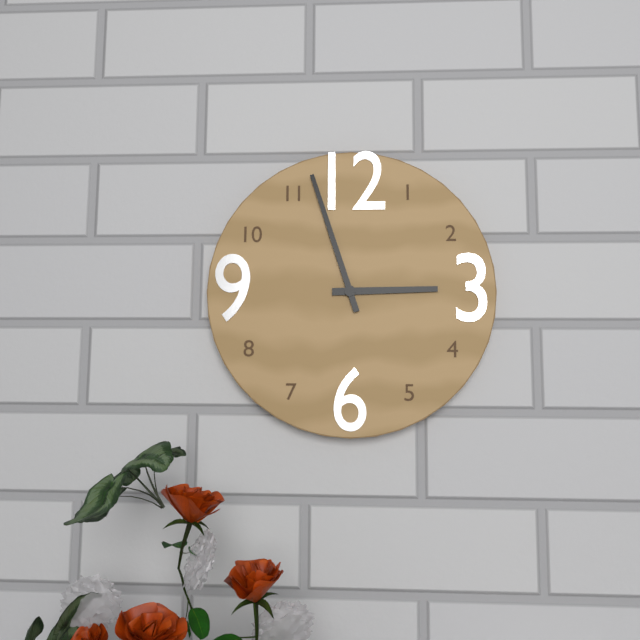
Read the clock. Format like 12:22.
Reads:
2:57
